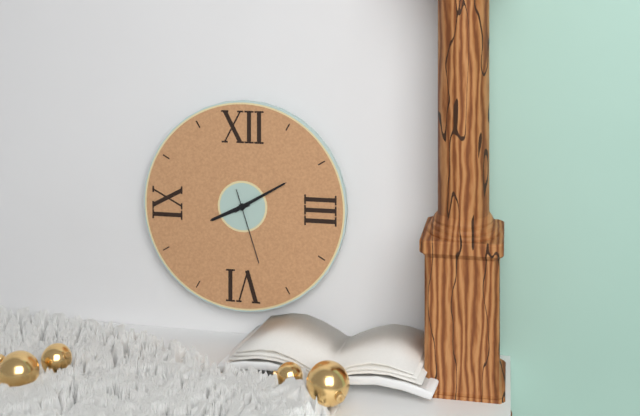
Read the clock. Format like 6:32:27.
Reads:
8:10:27
